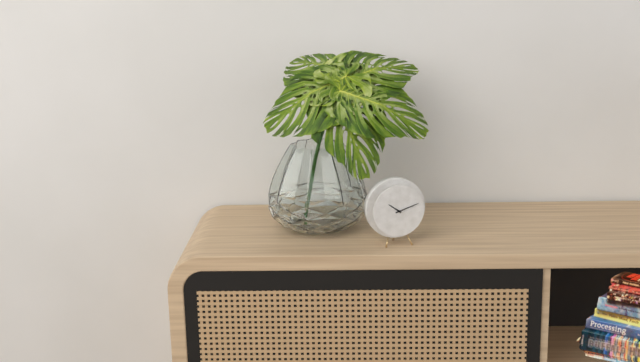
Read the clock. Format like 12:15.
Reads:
10:12
